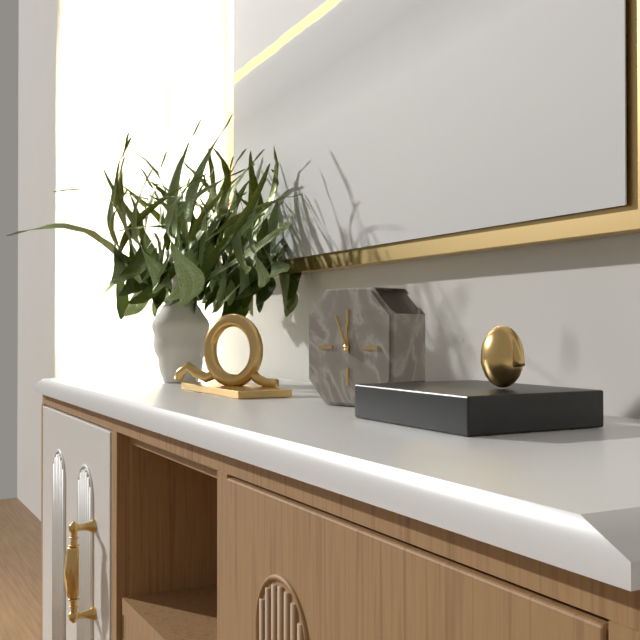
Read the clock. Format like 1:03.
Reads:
11:56
